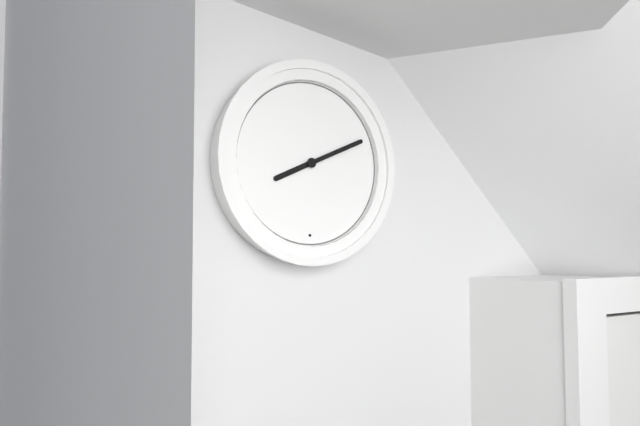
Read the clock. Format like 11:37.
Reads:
8:11
